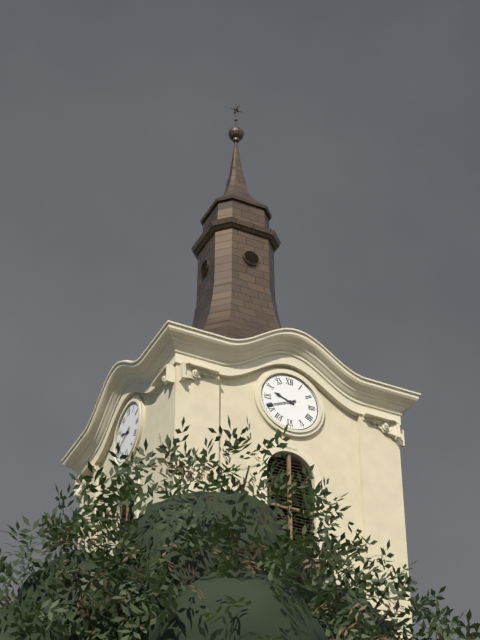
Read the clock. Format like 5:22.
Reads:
9:41
